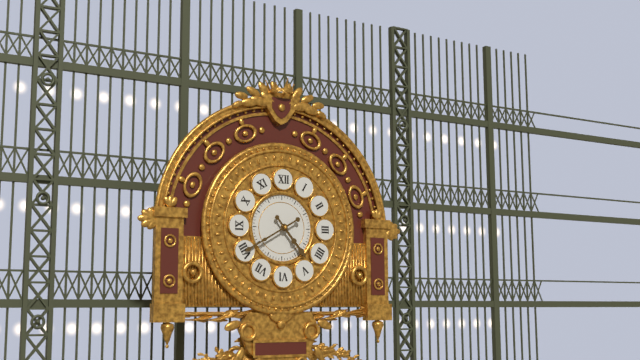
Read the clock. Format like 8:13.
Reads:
4:40
